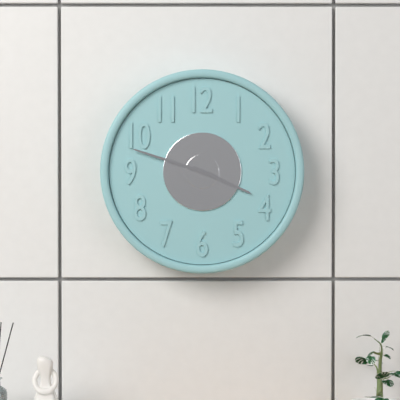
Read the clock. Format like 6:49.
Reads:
3:48
